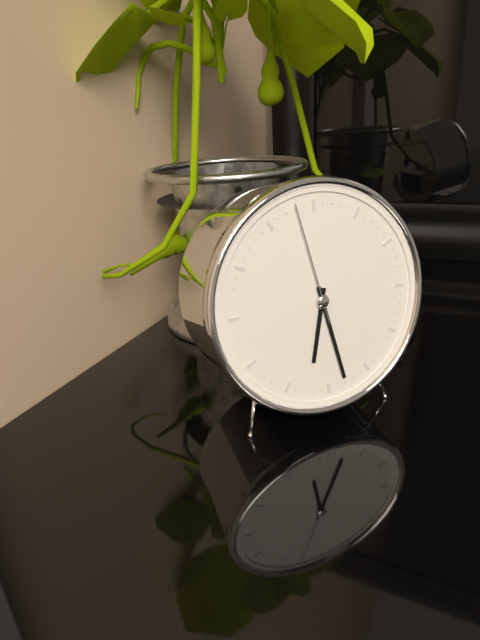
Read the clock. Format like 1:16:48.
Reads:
6:28:58
